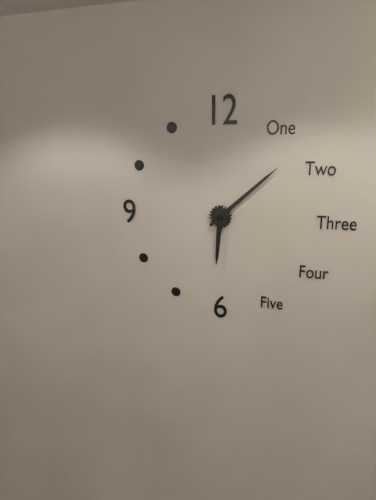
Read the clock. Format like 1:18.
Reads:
6:08
